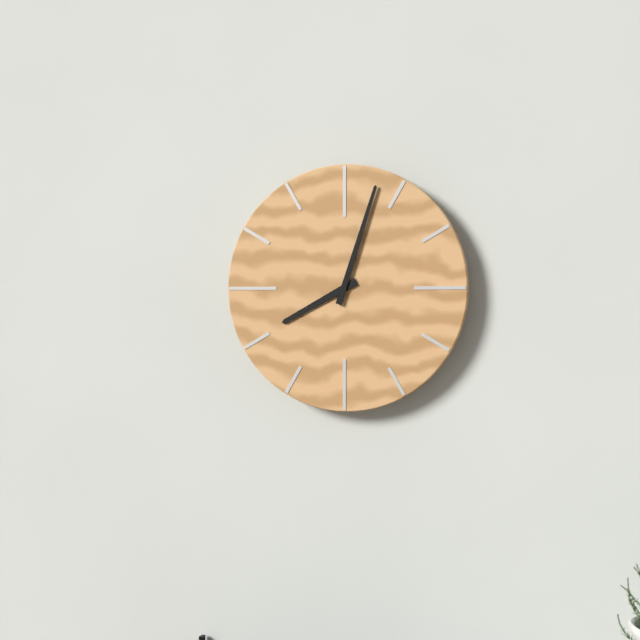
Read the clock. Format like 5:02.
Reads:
8:03
